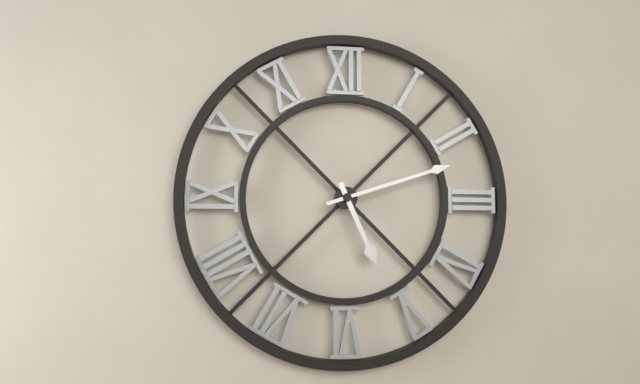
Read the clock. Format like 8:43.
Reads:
5:12
